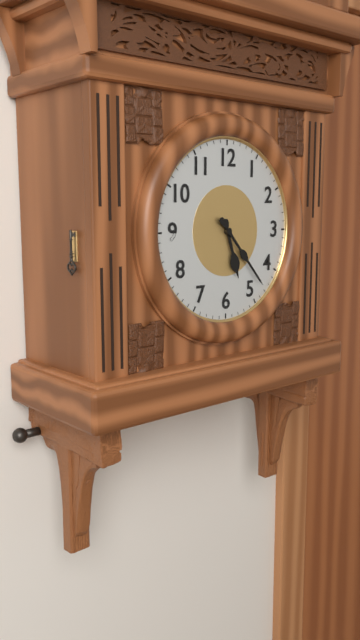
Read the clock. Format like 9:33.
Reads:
5:23
